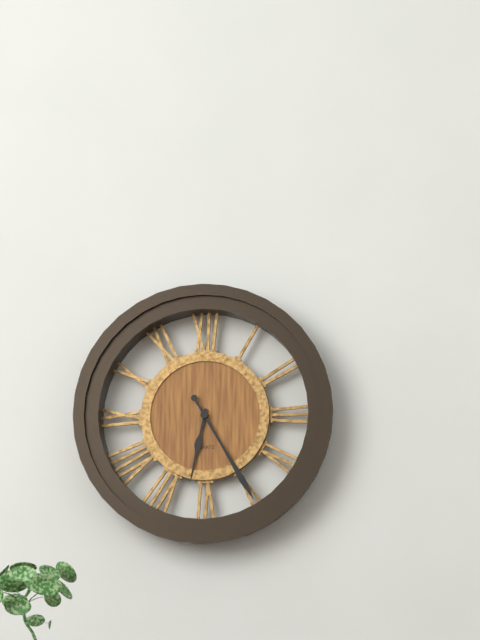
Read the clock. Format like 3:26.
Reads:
6:25
